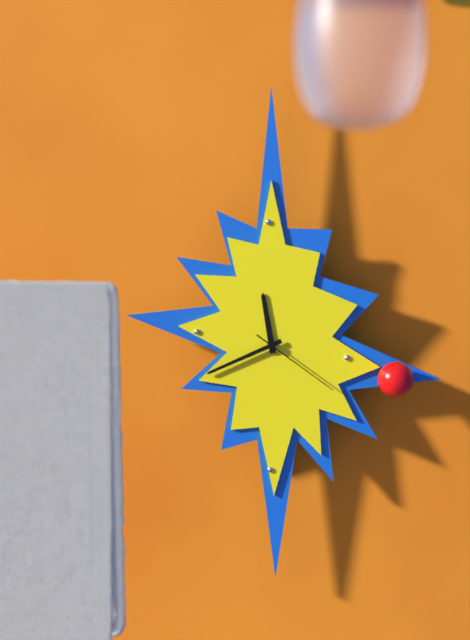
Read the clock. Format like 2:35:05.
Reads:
11:41:21
